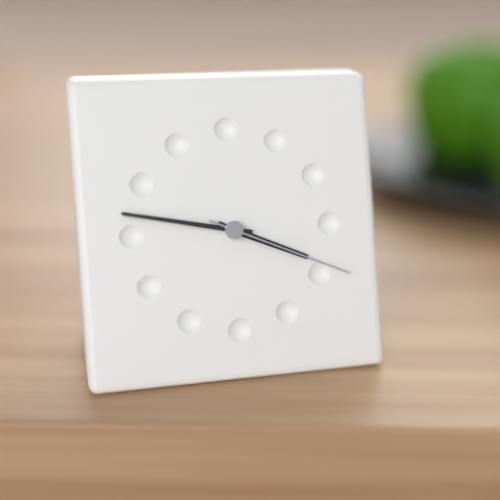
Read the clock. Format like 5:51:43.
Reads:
3:47:19
